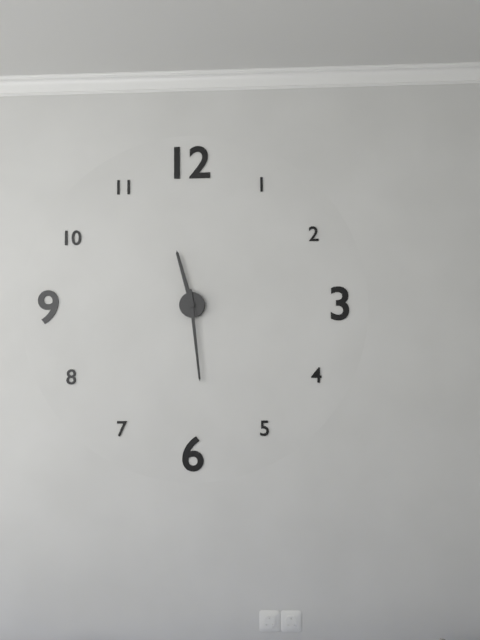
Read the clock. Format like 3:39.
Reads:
11:29
